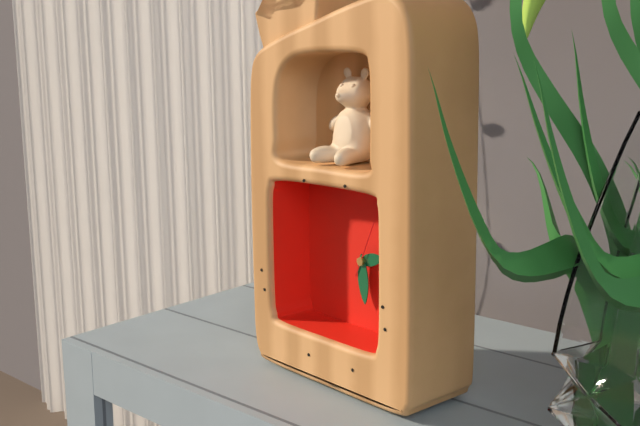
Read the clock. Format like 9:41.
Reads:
2:29
